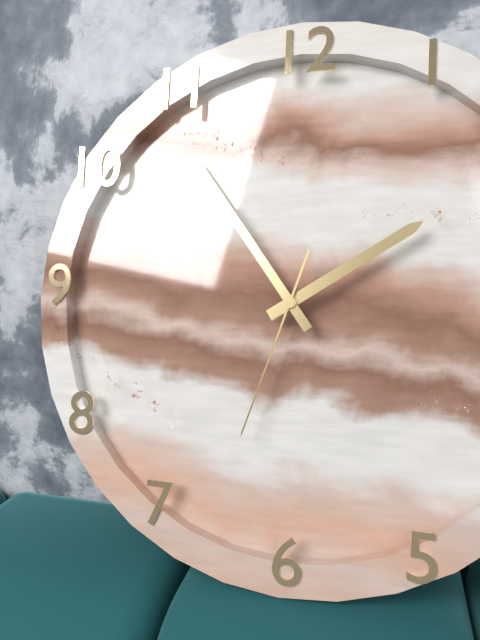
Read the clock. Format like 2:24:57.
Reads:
1:54:33
